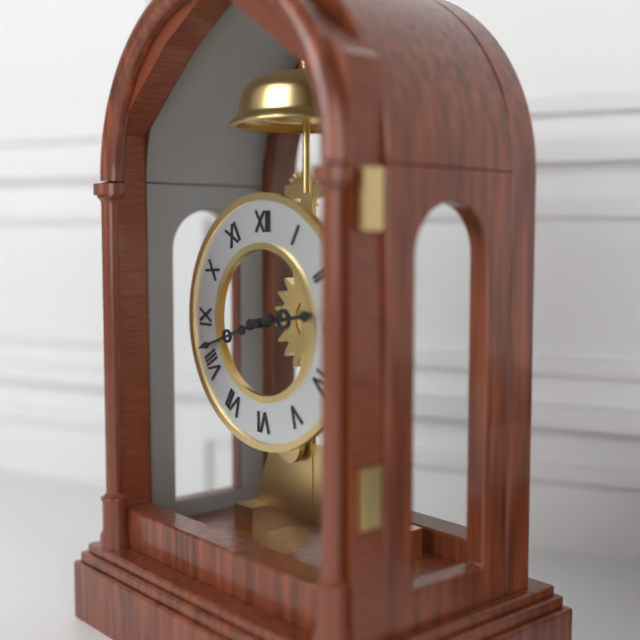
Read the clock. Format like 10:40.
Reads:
2:42
